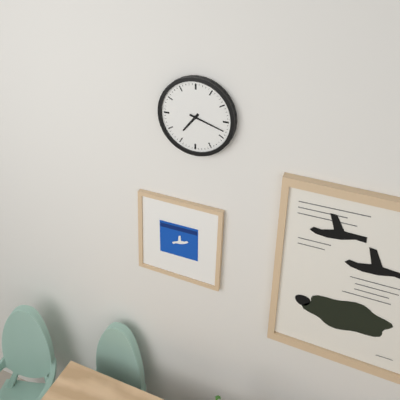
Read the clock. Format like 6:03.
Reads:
7:18
